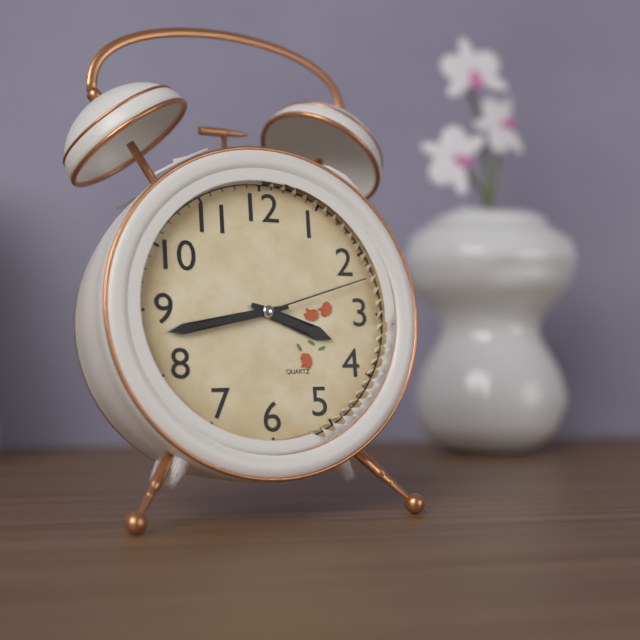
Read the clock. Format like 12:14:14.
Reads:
3:43:12
